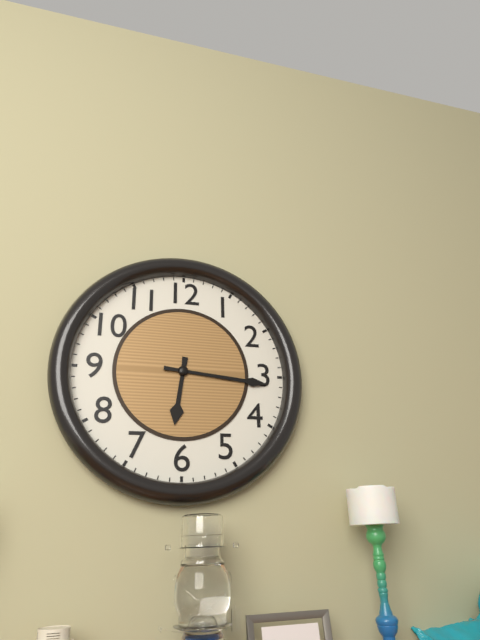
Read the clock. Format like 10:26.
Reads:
6:16
